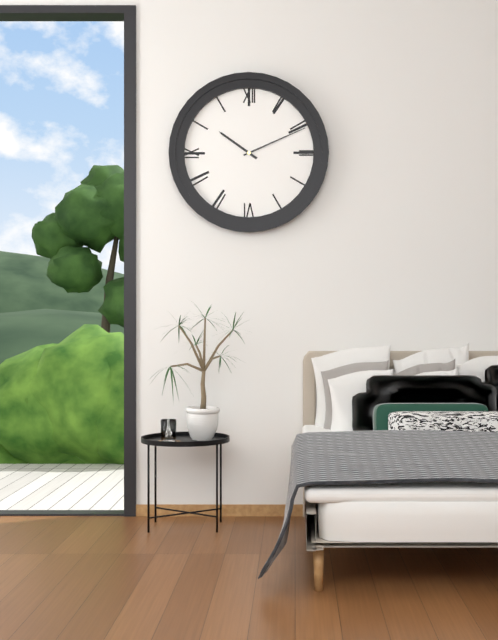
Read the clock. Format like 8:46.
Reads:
10:11
